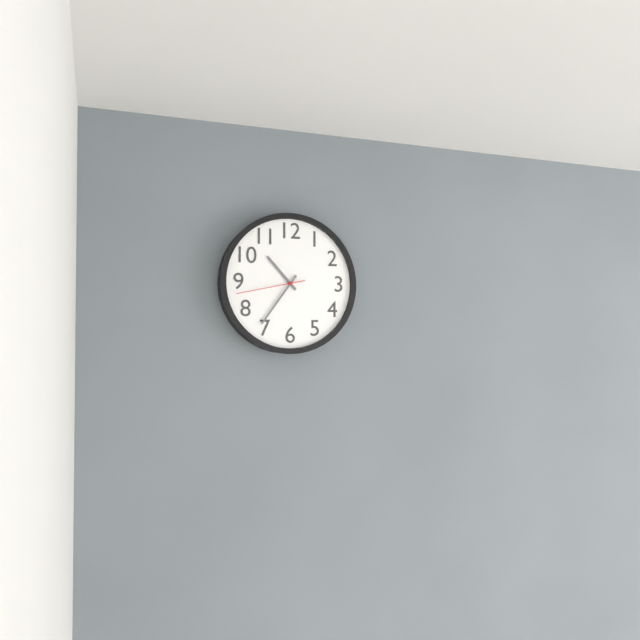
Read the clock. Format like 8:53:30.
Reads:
10:36:43
